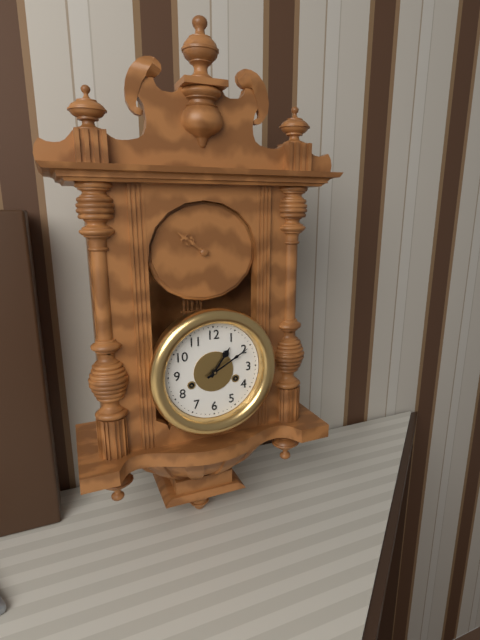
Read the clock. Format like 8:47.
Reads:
1:10
